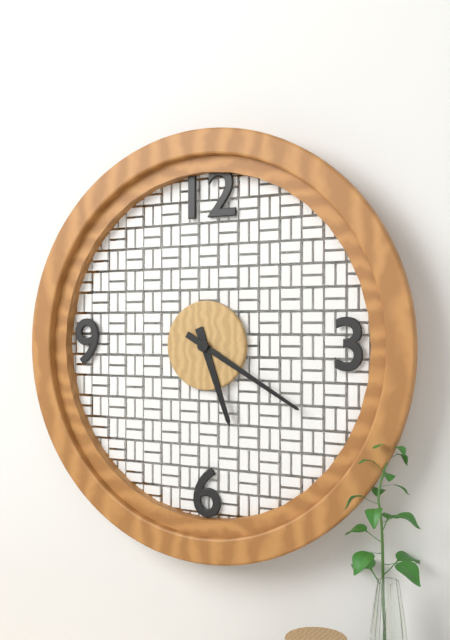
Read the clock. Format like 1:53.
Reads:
5:20
